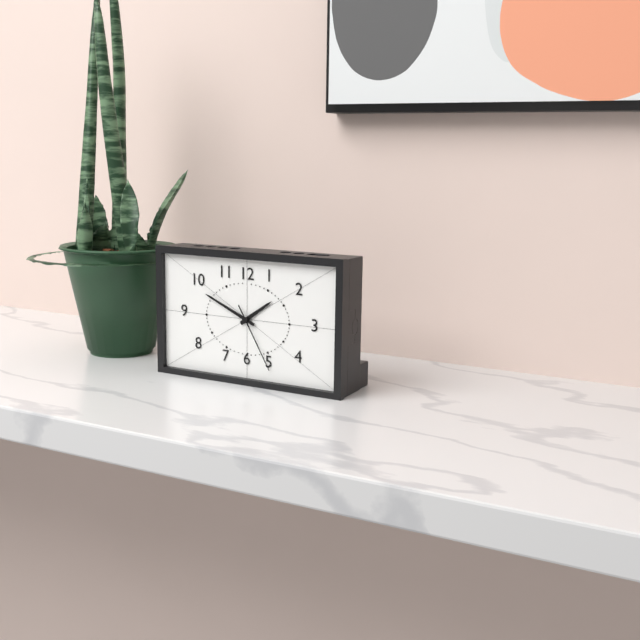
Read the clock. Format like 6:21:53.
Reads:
1:49:25
